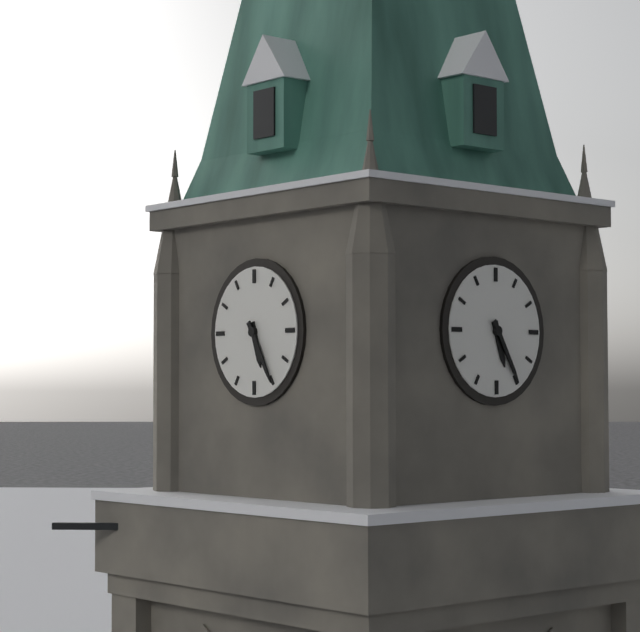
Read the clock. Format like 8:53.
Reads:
5:25
